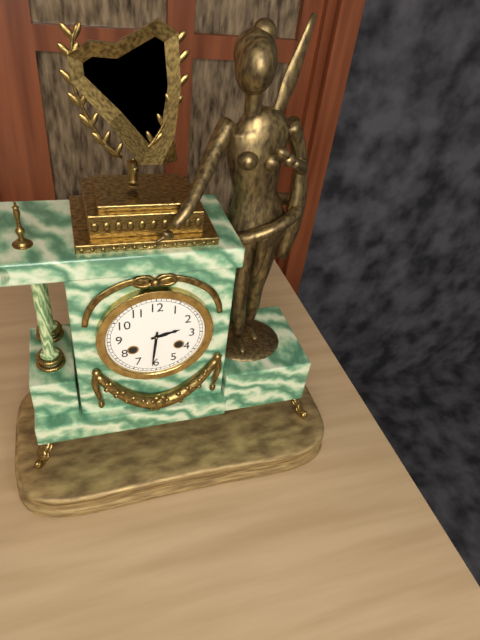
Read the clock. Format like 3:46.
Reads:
2:31
